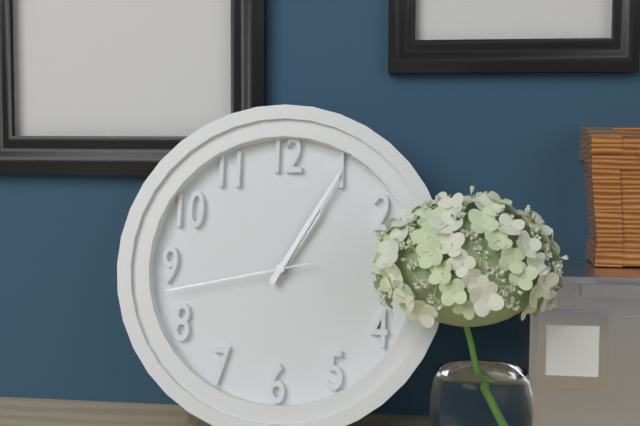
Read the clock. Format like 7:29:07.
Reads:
1:05:43
